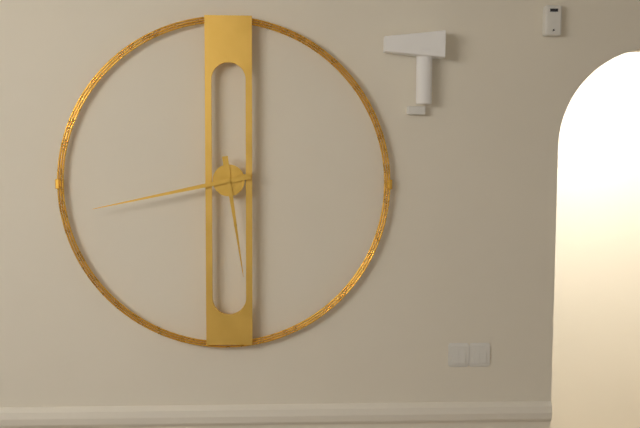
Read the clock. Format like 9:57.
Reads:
5:43
